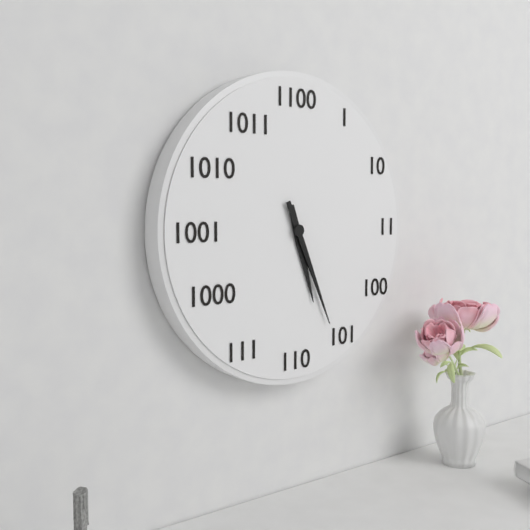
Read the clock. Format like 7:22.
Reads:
5:26
